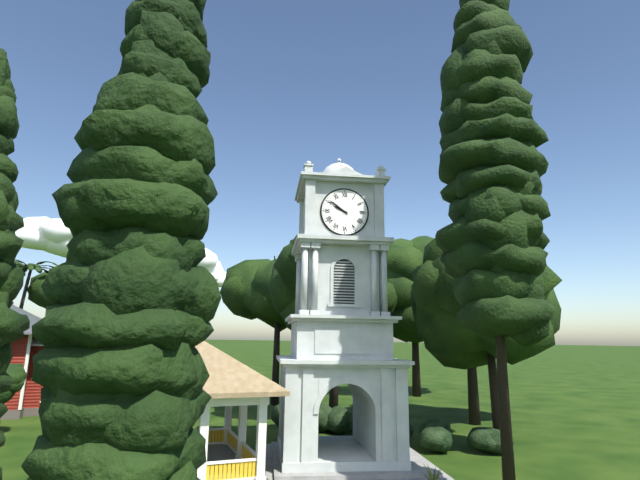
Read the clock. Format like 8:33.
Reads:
9:51
